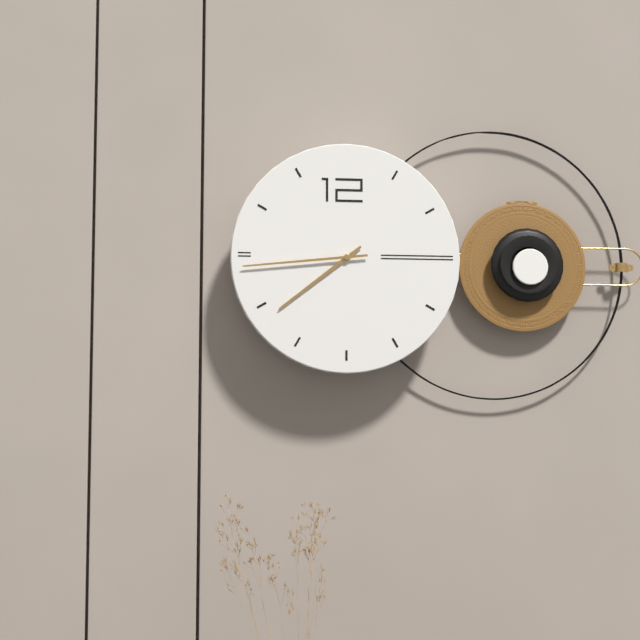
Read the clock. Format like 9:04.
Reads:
7:44
